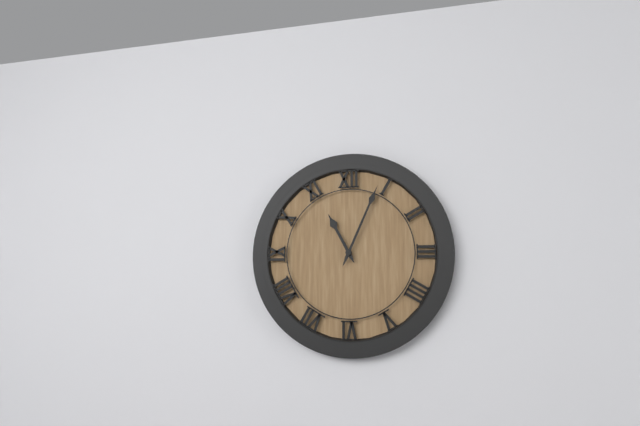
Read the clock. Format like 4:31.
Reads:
11:04
